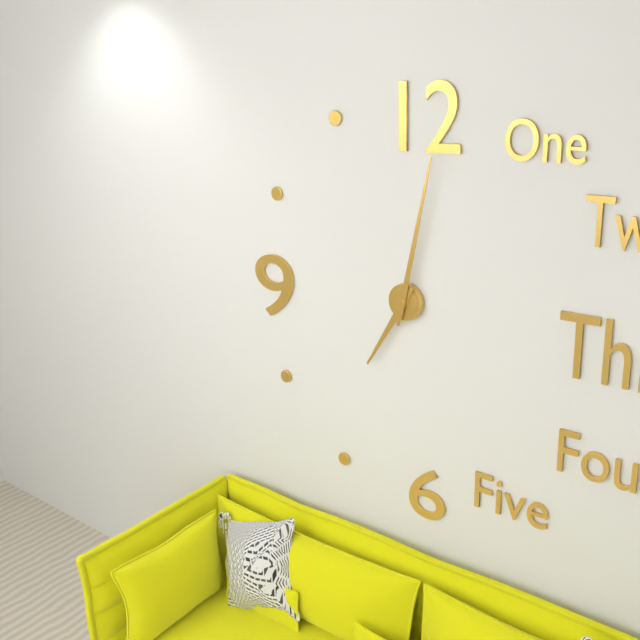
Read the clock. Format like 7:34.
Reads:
7:02
